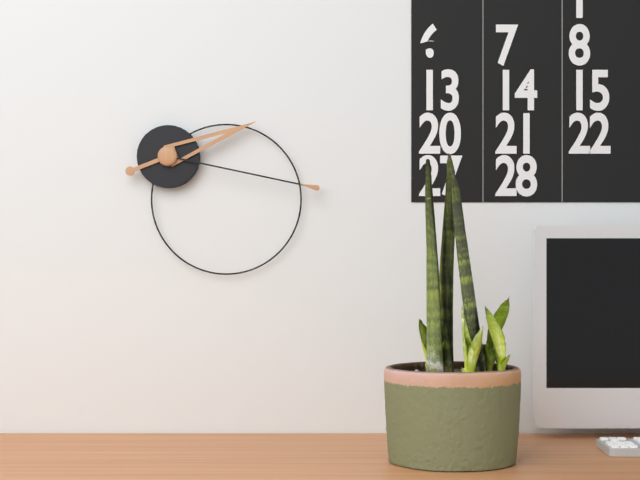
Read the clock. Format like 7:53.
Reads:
2:17
